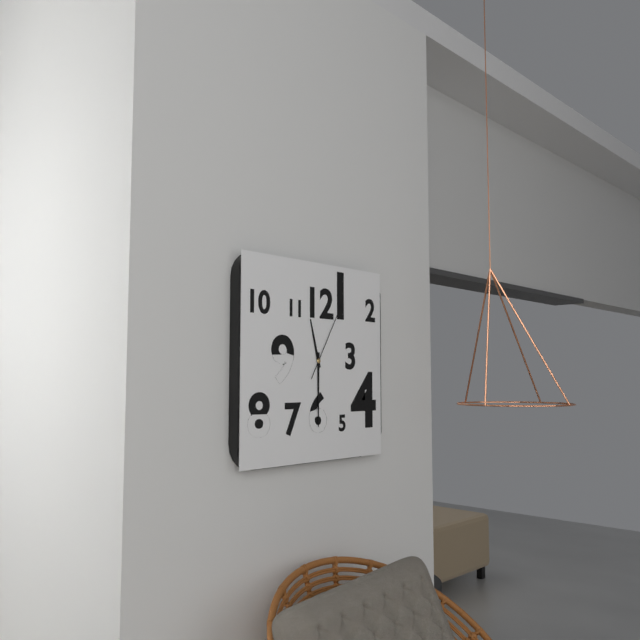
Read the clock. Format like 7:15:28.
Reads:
11:30:05
